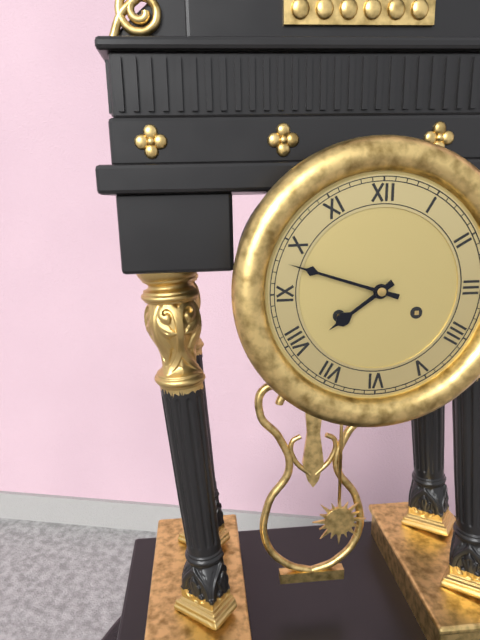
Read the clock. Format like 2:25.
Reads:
7:48
